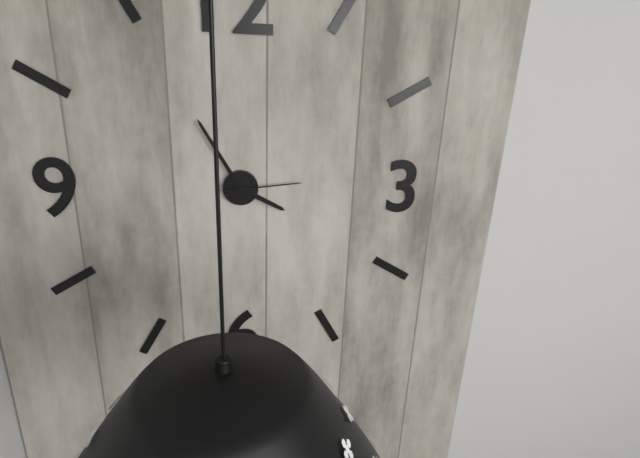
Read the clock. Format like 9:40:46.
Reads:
3:55:14
